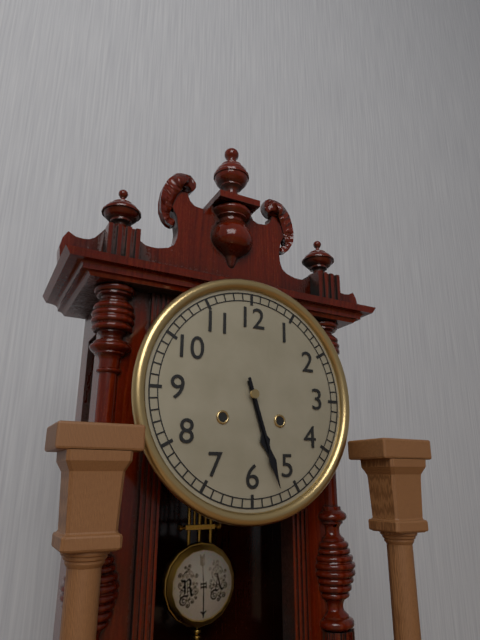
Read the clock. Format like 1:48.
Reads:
5:27
